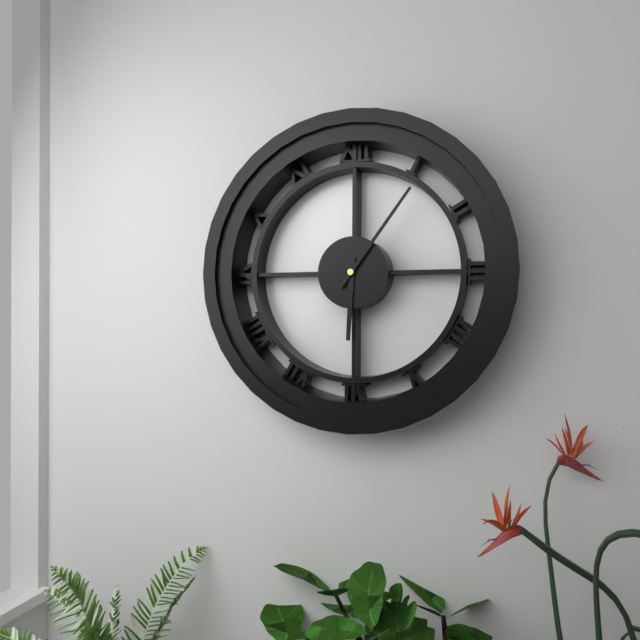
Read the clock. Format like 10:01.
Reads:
6:06
